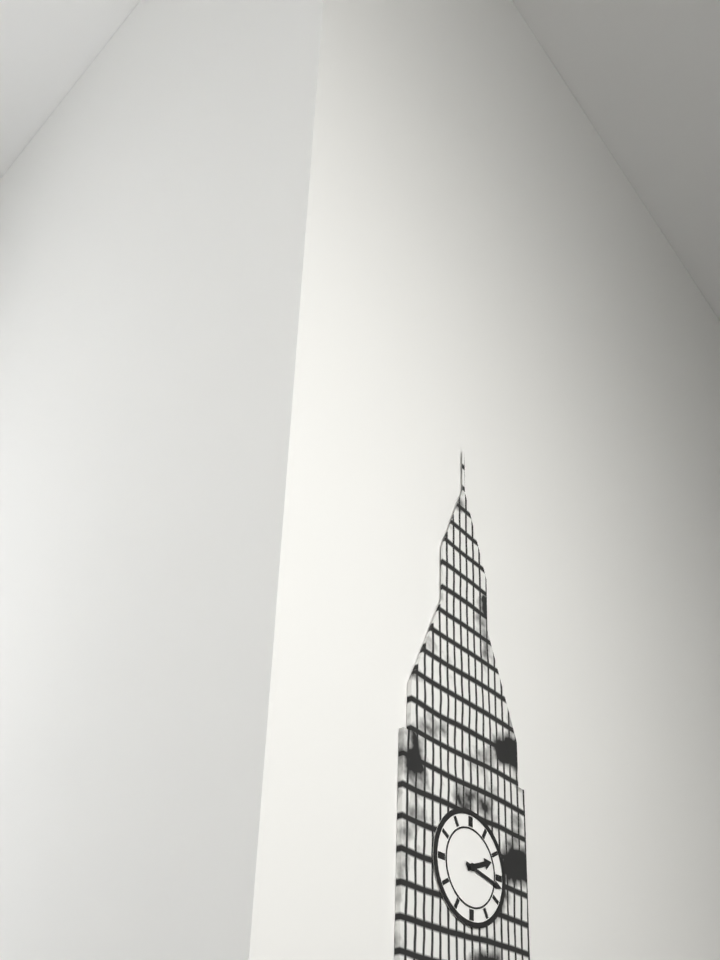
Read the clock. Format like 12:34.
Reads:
2:17
